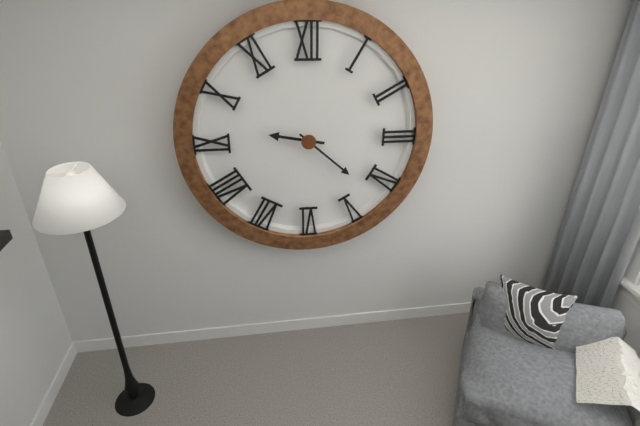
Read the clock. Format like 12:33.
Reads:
9:22
